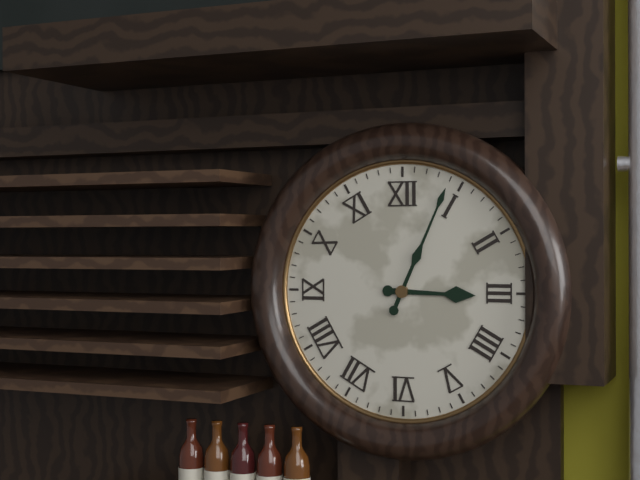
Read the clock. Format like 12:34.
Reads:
3:04
